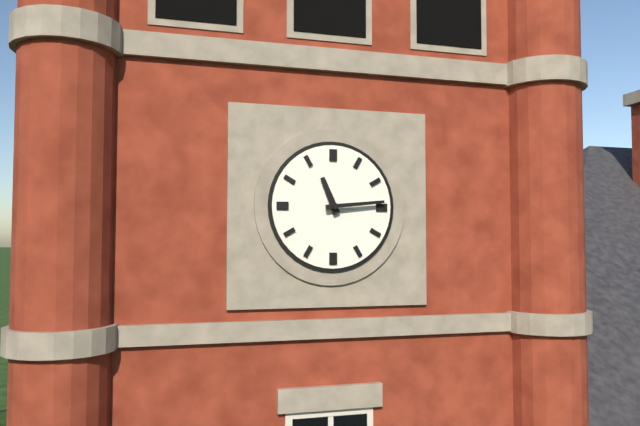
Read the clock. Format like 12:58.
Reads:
11:14
